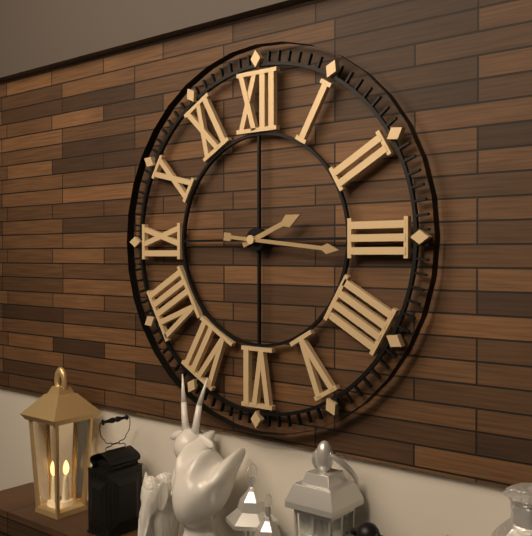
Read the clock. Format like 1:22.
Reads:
2:16
